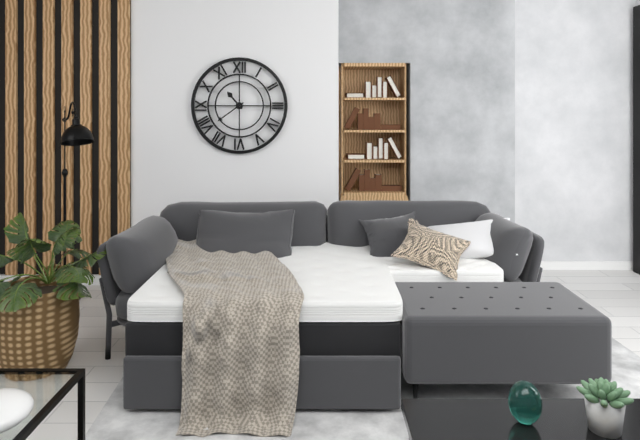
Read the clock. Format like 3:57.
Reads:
10:39
